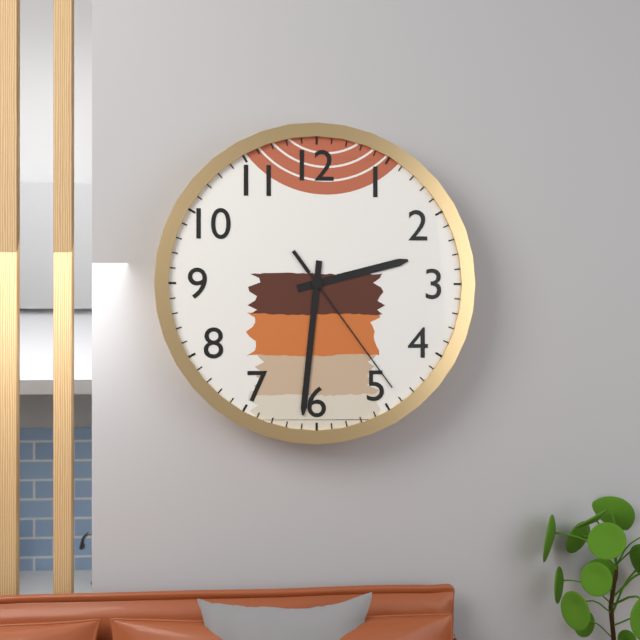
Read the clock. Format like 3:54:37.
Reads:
2:31:24
